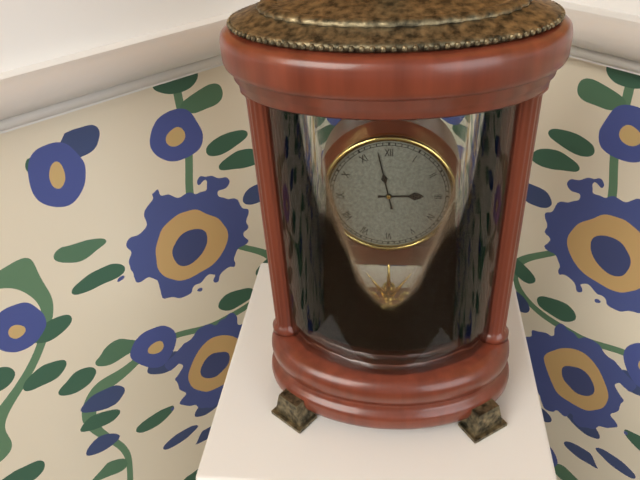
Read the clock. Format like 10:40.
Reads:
2:58
